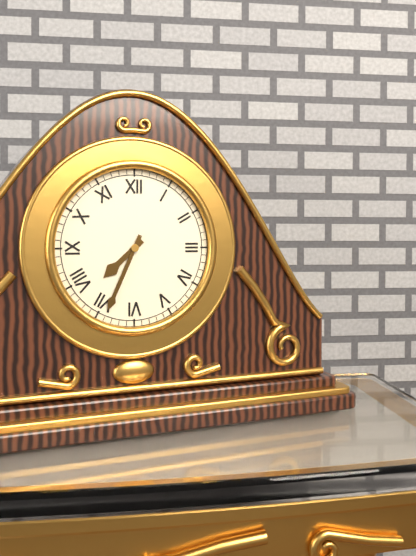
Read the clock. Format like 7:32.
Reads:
7:34
